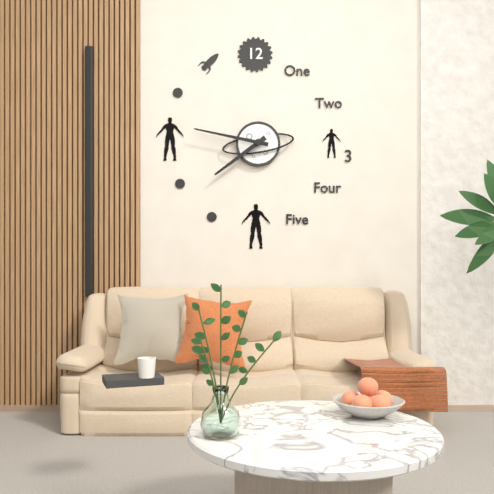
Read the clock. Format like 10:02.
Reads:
7:47
